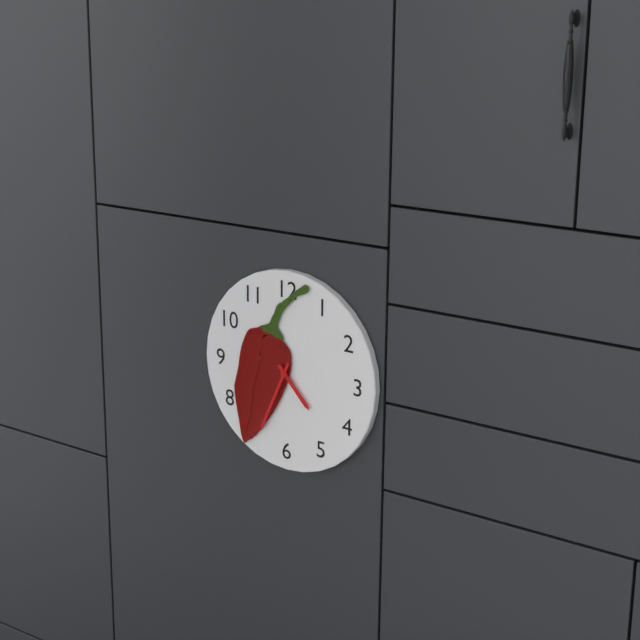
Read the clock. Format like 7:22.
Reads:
4:34
